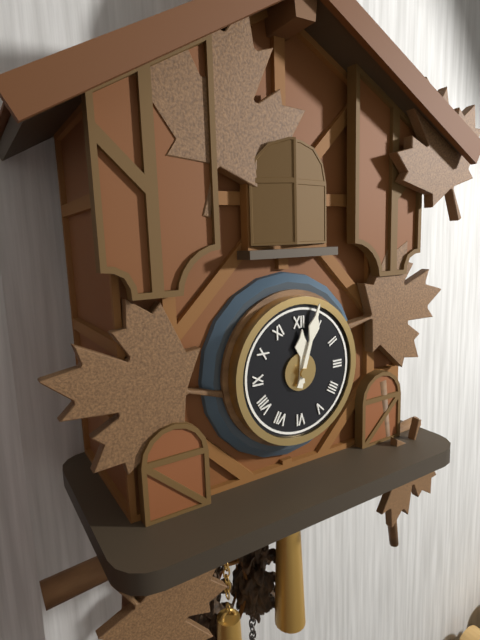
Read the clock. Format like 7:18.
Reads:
12:03
